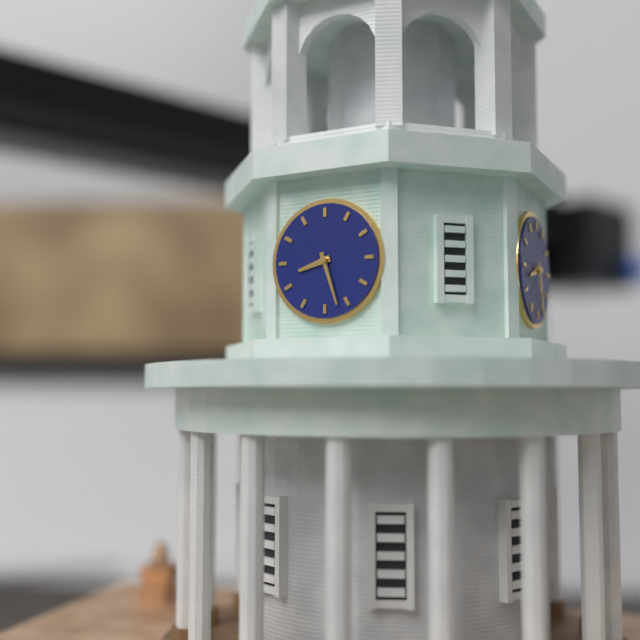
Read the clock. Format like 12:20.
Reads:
8:27
